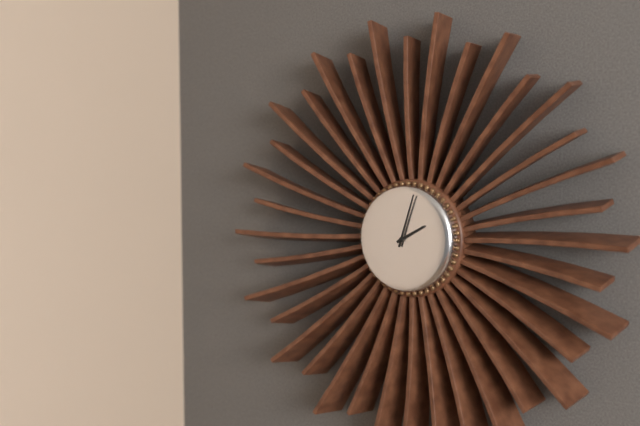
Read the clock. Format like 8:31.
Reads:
2:03
